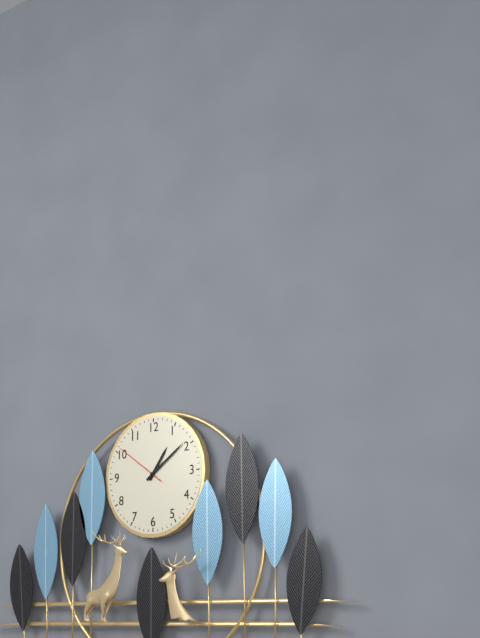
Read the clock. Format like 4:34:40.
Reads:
1:09:51
